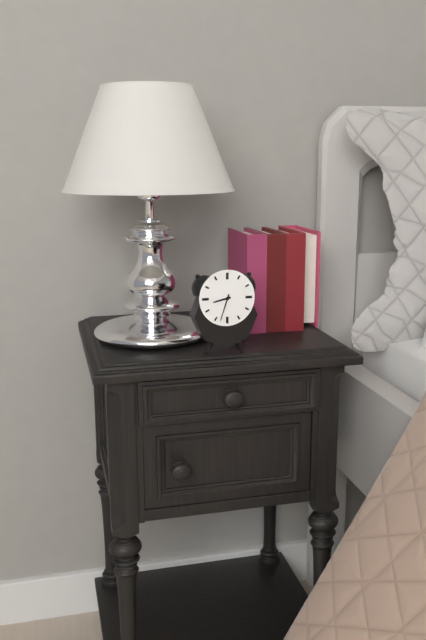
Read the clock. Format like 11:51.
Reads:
8:33
